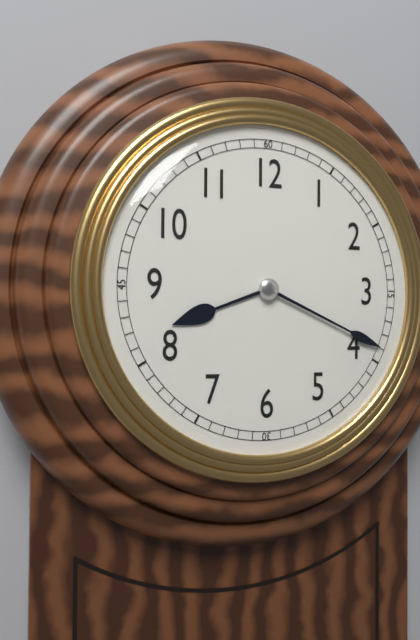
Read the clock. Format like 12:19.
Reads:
8:19
